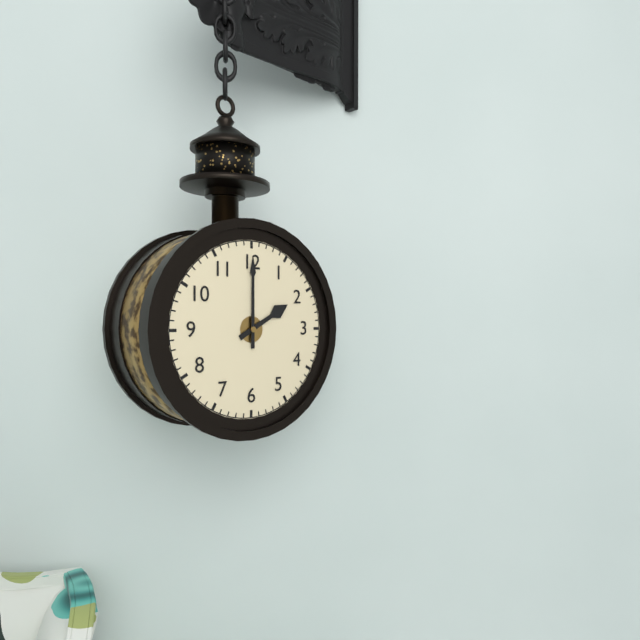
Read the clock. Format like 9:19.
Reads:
2:00
